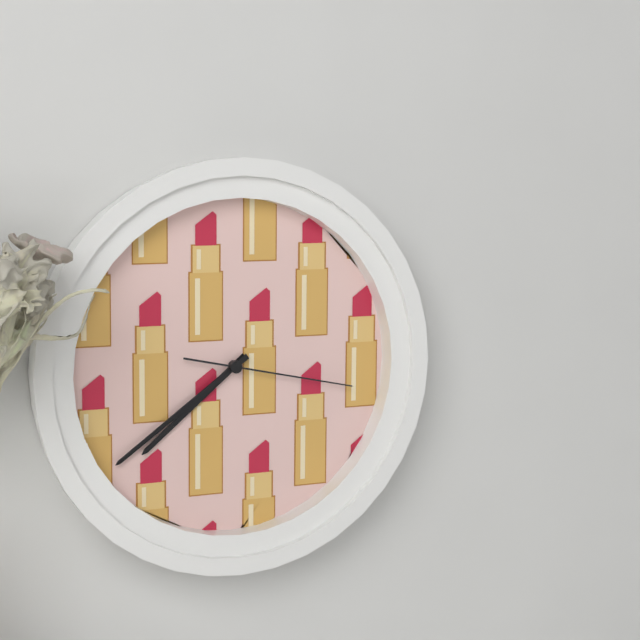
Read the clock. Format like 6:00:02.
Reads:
7:39:17
